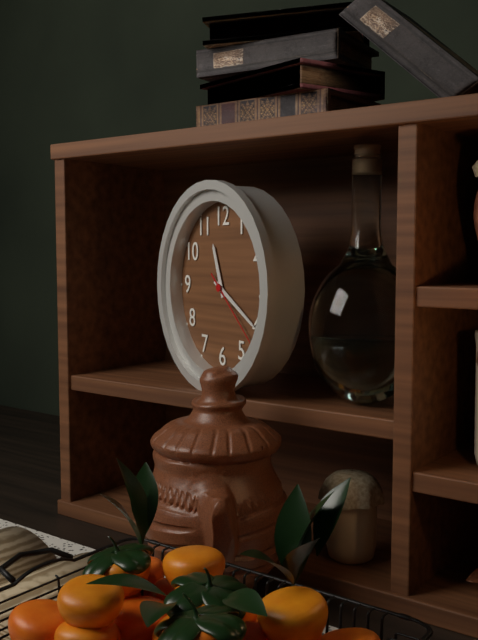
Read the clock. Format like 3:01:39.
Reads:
11:20:22
